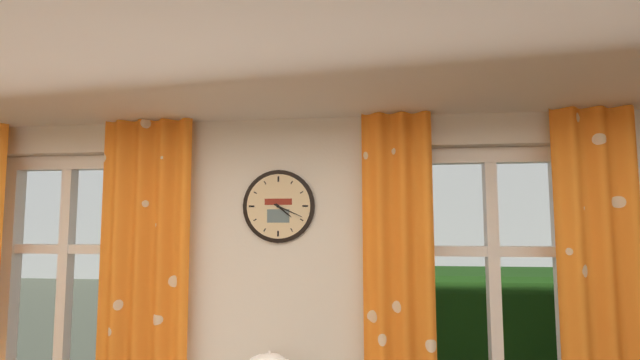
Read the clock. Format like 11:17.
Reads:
4:19
